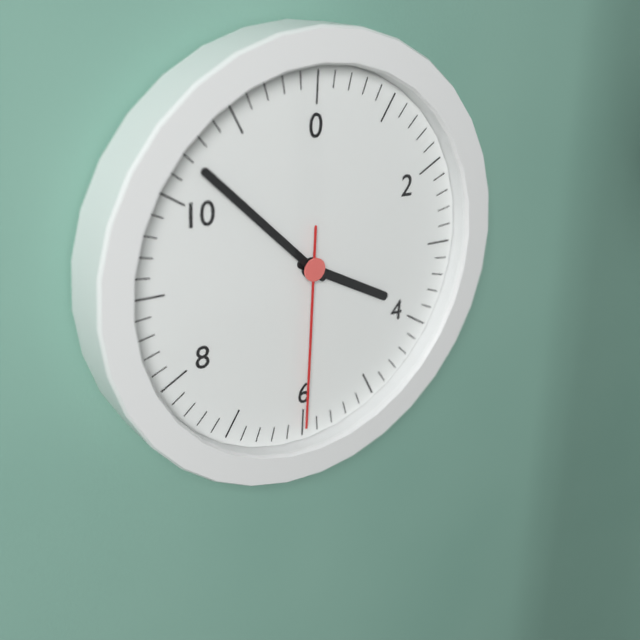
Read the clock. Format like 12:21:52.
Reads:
3:52:30
